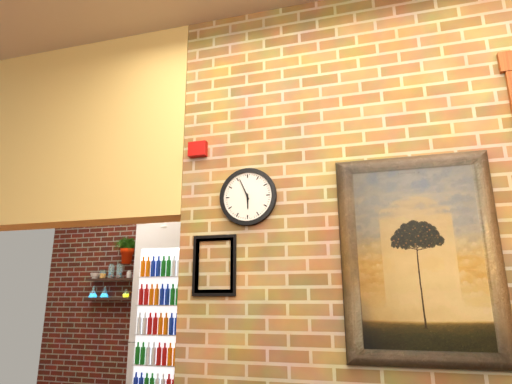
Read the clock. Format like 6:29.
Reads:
5:56
